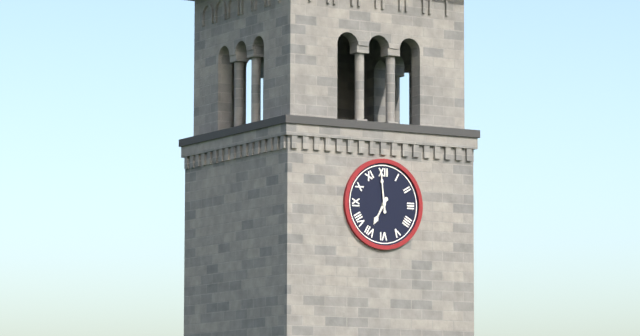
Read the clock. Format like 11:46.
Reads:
6:59
